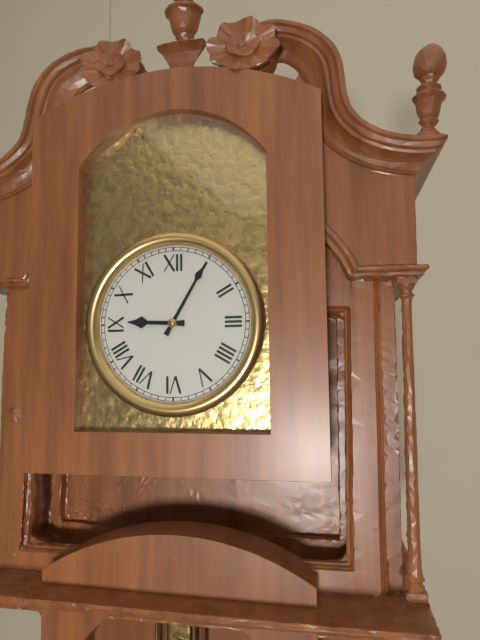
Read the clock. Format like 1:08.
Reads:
9:05
